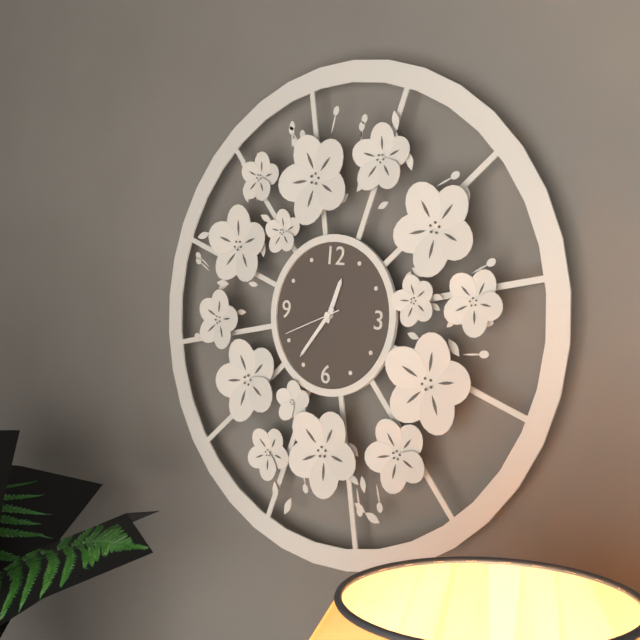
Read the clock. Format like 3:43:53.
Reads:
12:36:41
